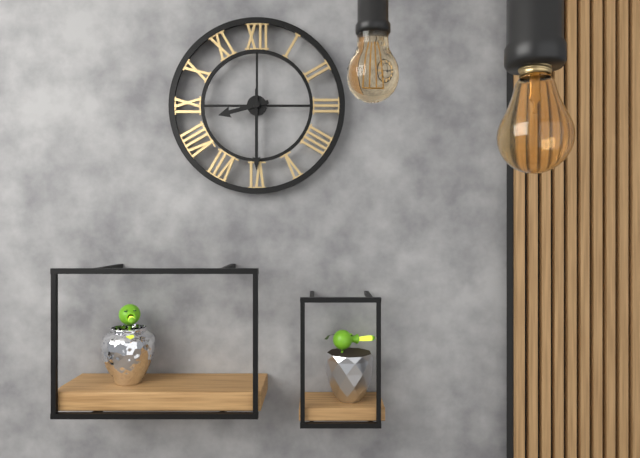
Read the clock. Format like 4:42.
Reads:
8:30
